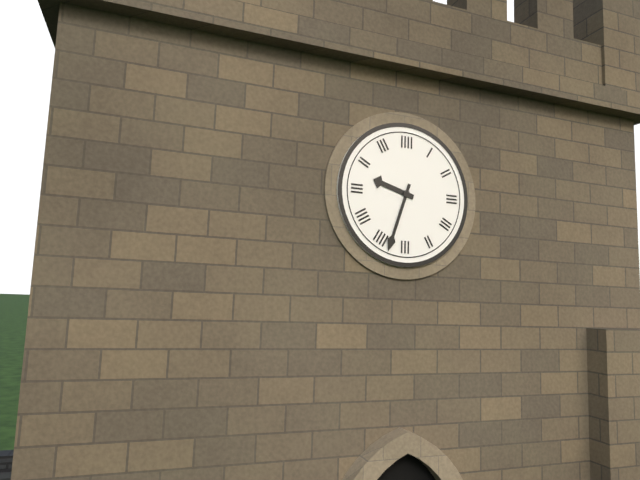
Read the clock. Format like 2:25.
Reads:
9:33
